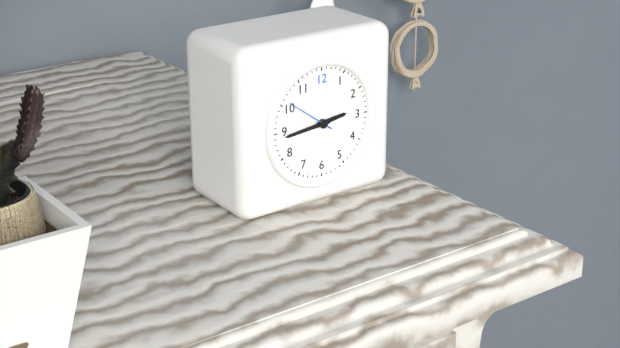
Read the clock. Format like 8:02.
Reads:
2:44
